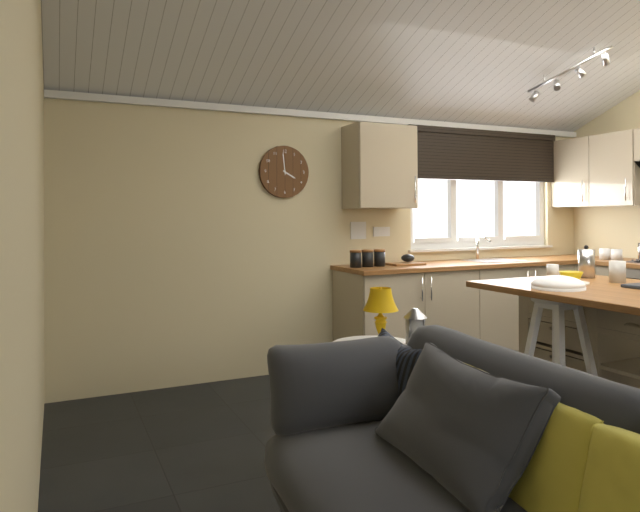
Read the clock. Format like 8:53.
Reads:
3:59
